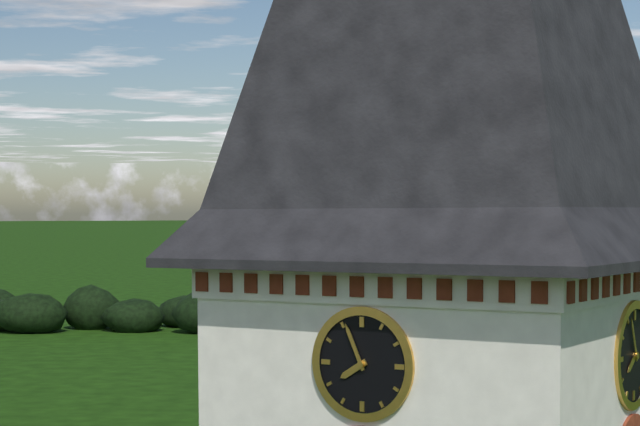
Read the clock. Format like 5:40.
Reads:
7:56
